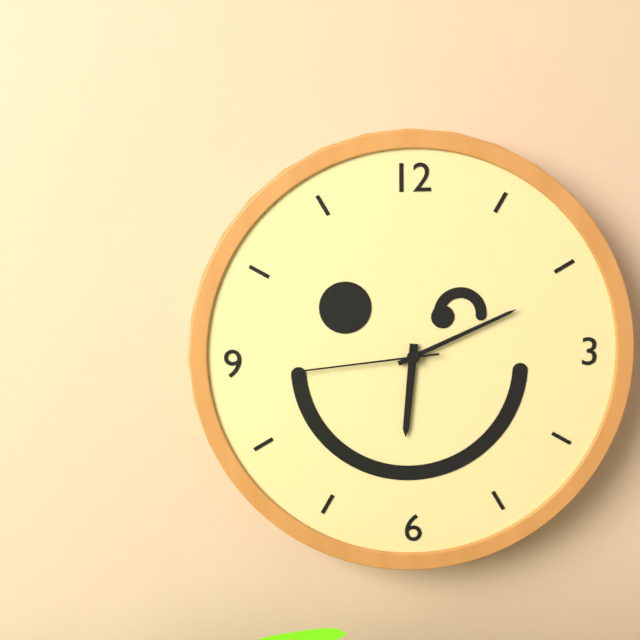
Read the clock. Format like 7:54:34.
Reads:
6:11:44
